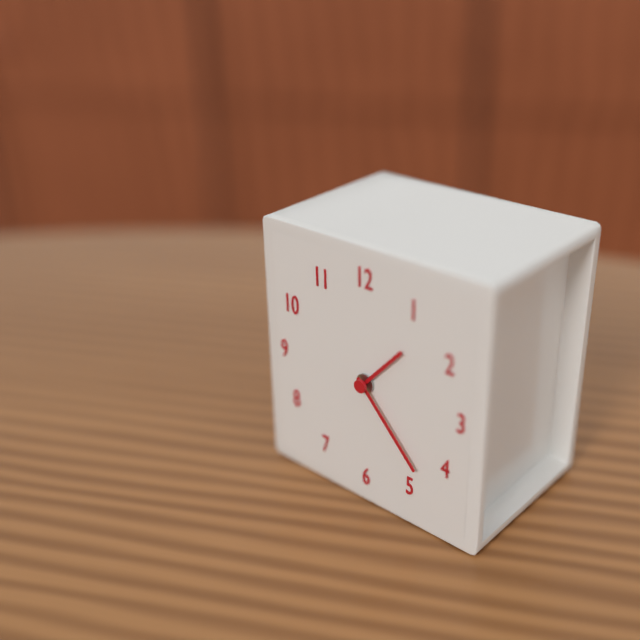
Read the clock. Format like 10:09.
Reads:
1:23
